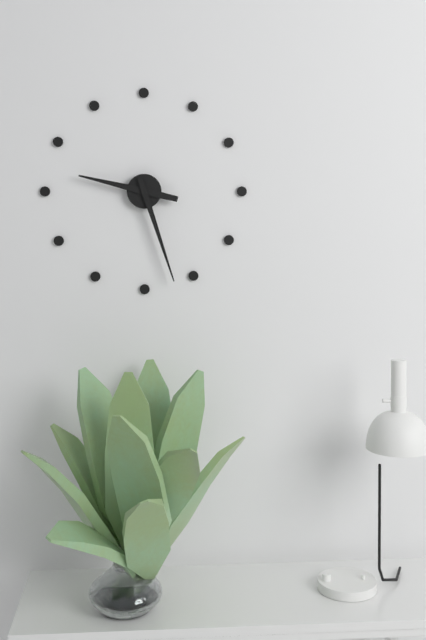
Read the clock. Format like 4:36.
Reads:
9:27
